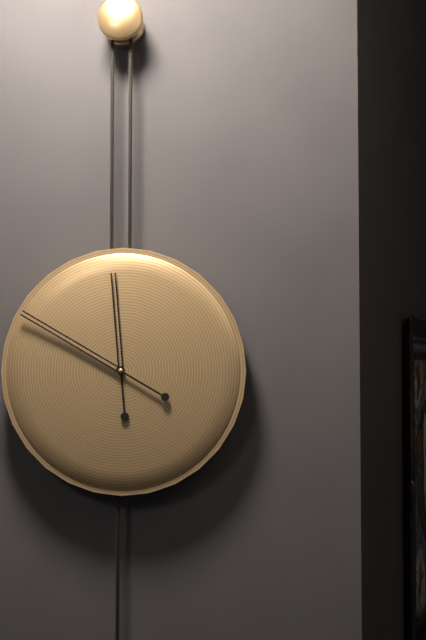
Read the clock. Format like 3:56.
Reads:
11:50
